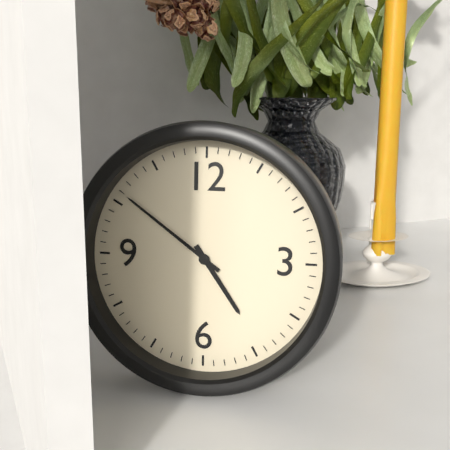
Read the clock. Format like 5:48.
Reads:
4:51
